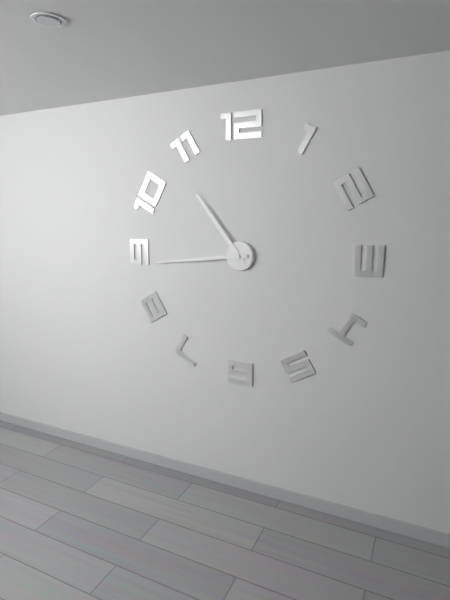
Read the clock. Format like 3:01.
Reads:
10:44
